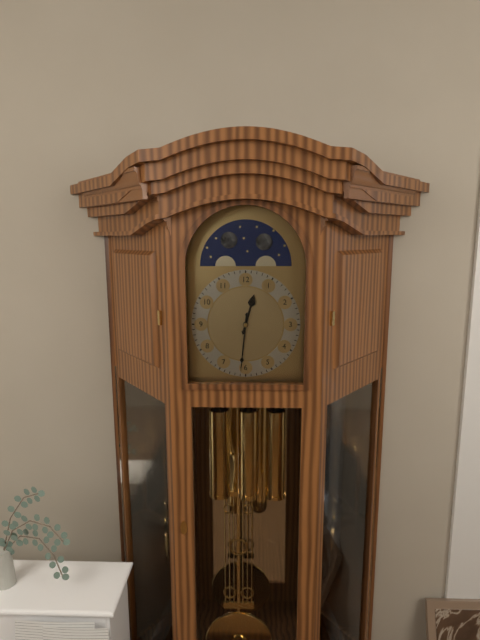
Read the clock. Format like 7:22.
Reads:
12:31
